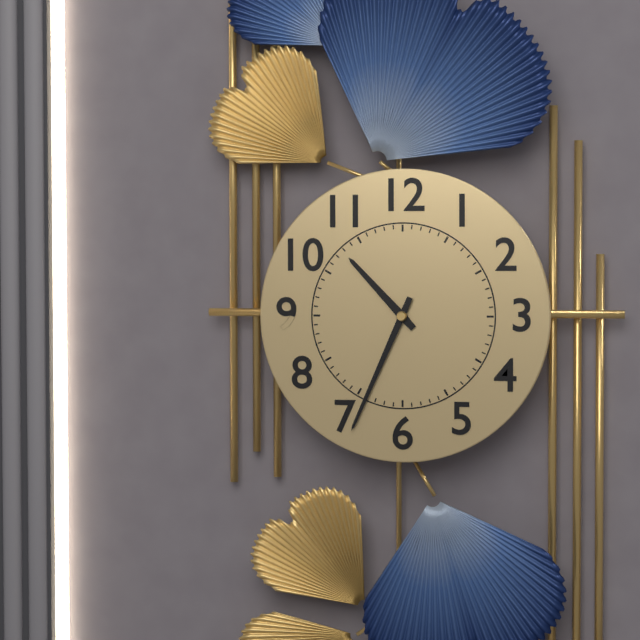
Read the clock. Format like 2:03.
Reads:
10:34
